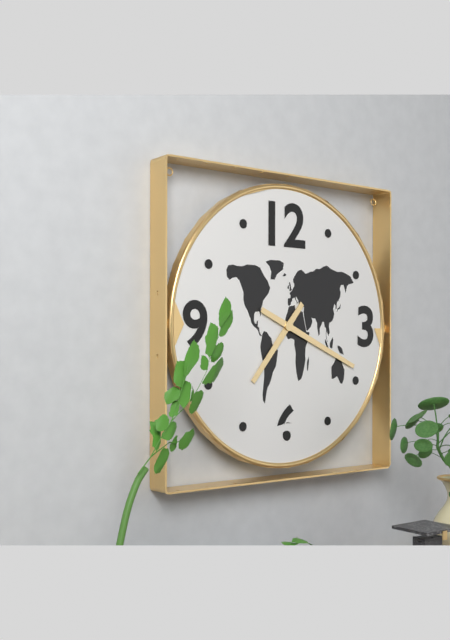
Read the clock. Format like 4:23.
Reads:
7:19
